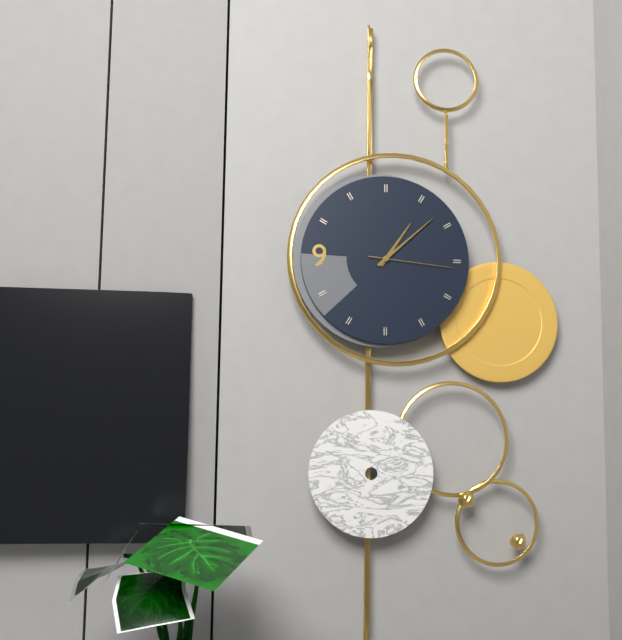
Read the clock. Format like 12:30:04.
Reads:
1:08:16
